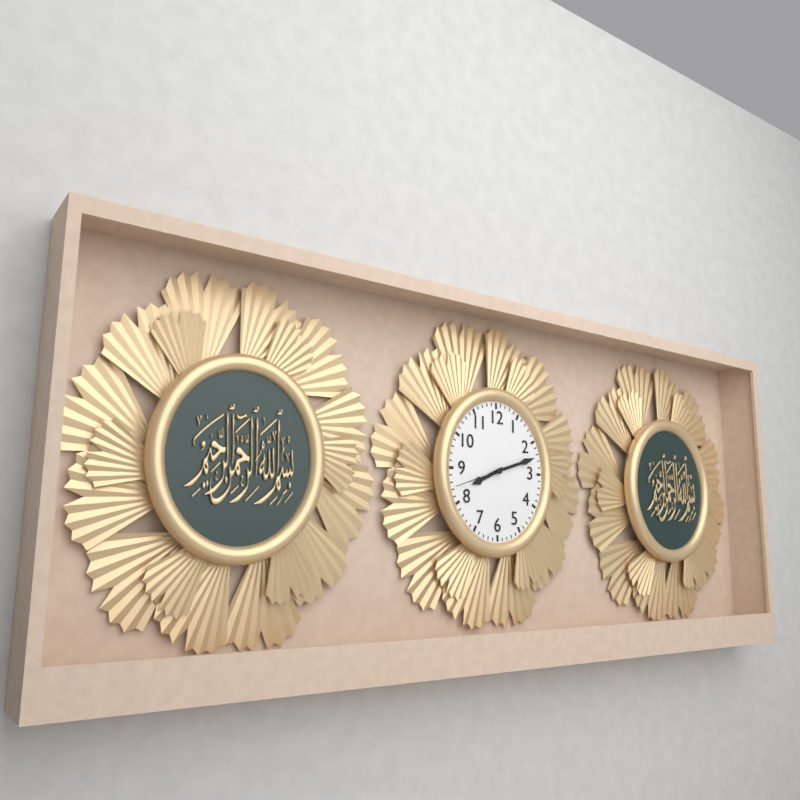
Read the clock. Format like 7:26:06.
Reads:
8:12:42
